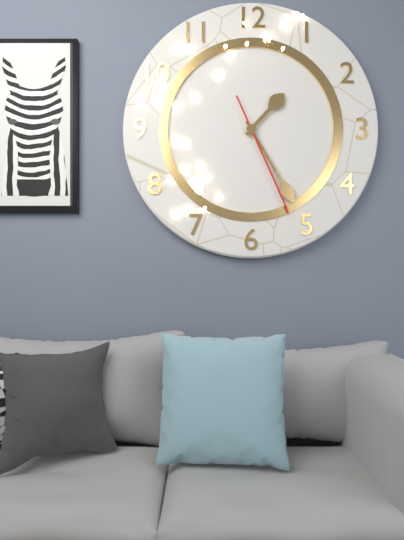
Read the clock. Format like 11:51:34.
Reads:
1:25:26
